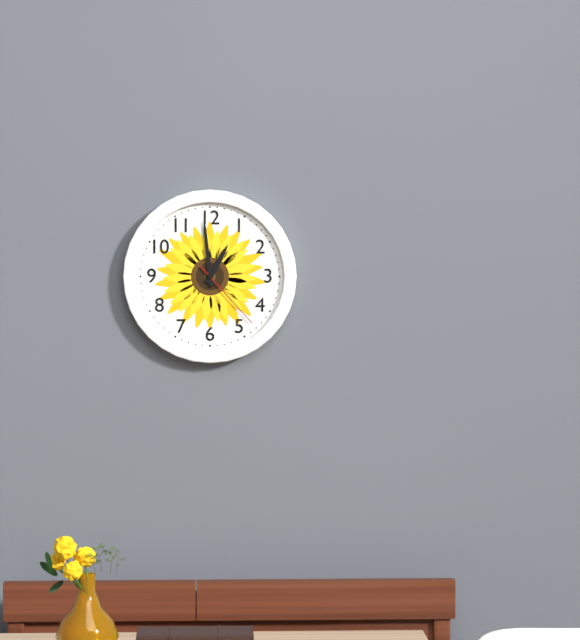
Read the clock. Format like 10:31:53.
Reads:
12:59:23
